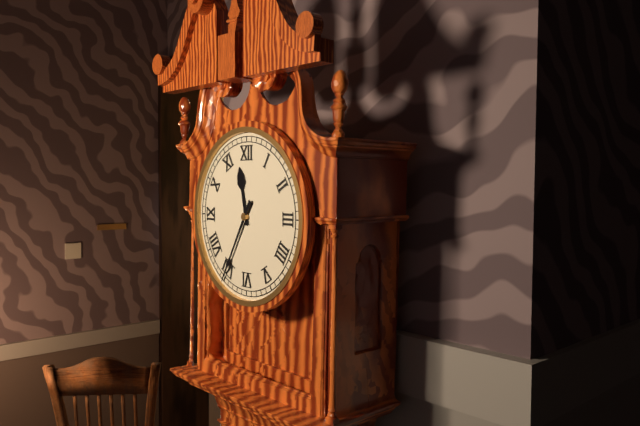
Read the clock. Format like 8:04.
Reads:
11:35
